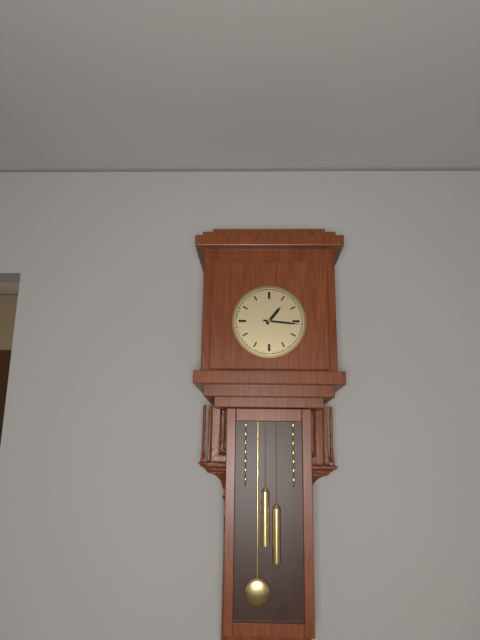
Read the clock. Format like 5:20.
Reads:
1:16
